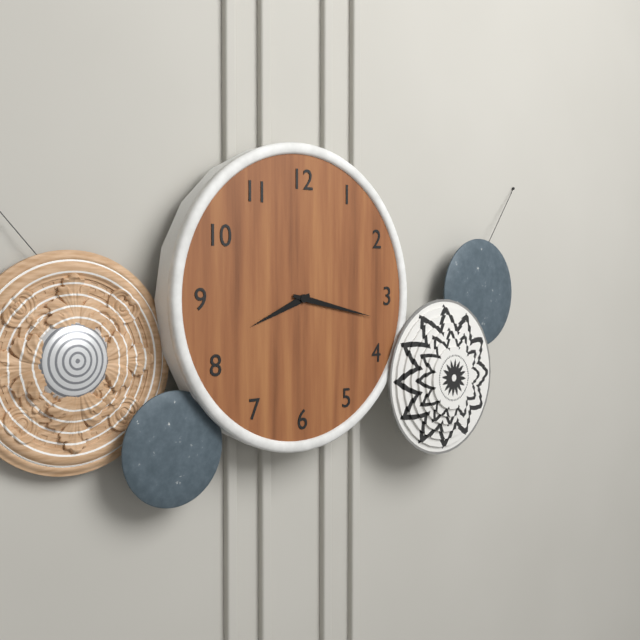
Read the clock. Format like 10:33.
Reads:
8:17
